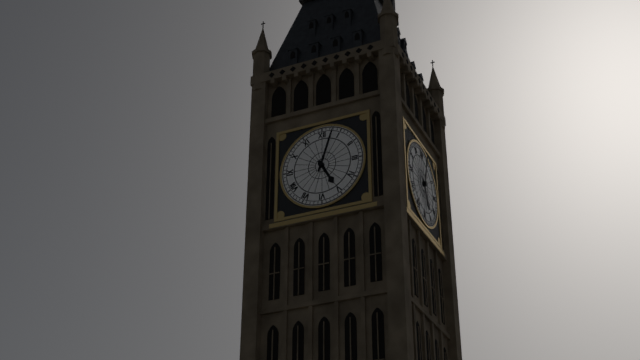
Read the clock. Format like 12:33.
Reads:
5:03
